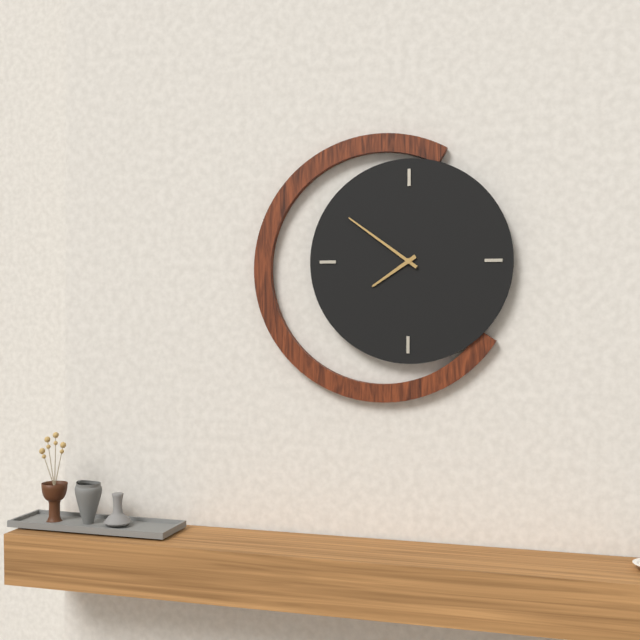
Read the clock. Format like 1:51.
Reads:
7:51
